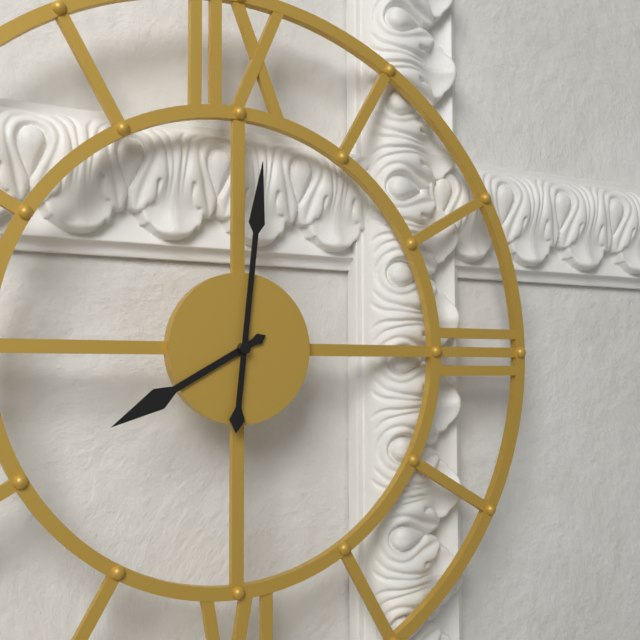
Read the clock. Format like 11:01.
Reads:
8:01
